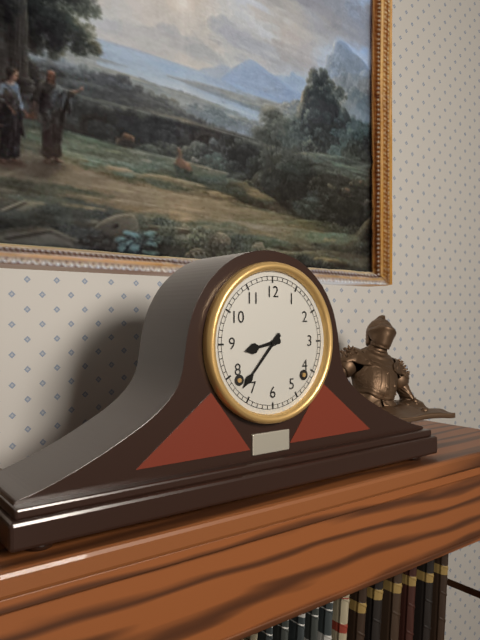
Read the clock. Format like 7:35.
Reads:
8:37
